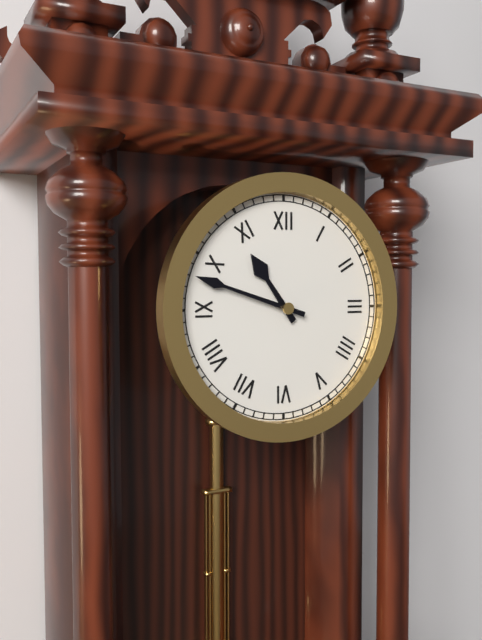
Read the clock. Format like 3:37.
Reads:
10:48
